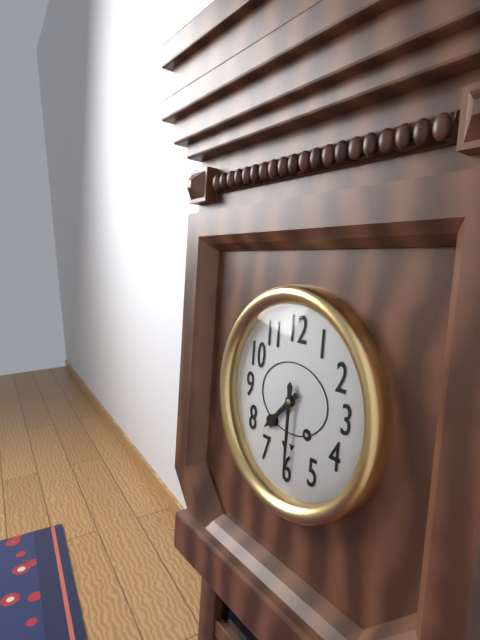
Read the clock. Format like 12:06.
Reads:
7:30
